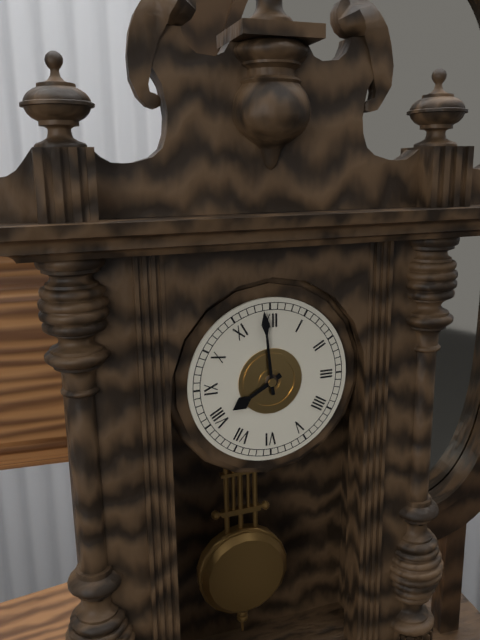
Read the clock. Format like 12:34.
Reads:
7:59
